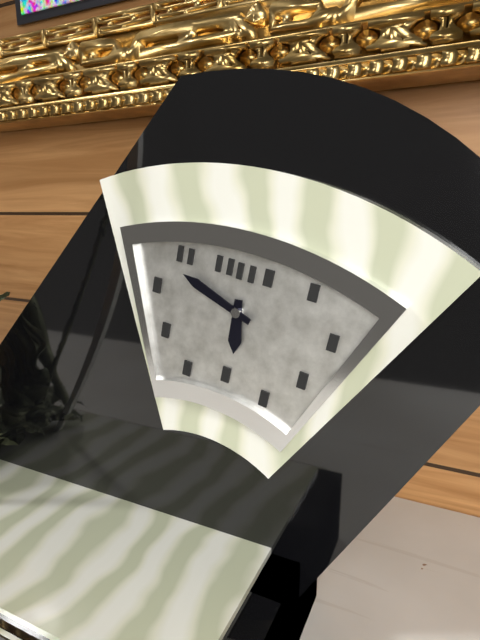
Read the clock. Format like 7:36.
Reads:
5:48
